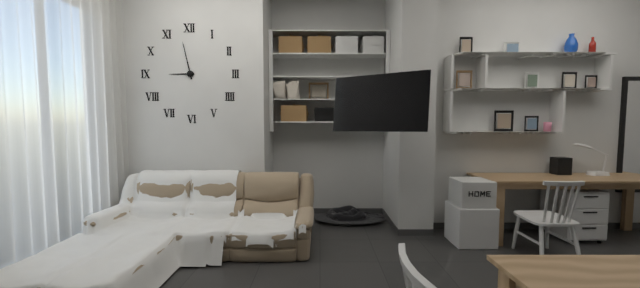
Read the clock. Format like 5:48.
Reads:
8:58
